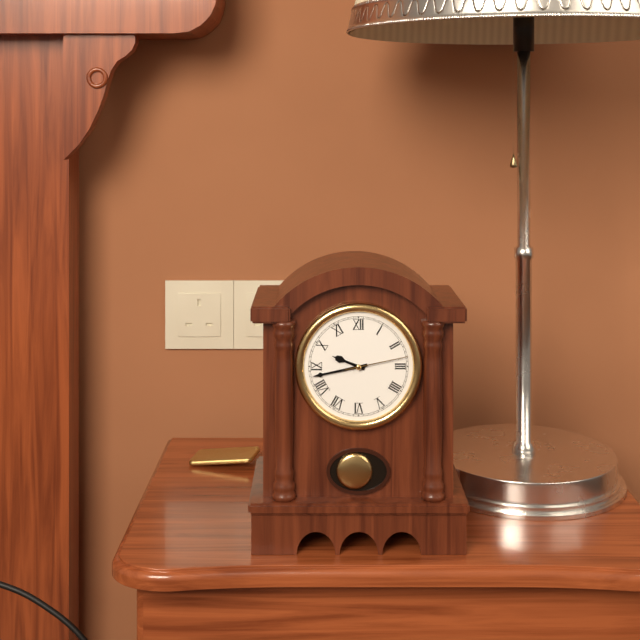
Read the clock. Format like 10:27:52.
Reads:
9:43:13
